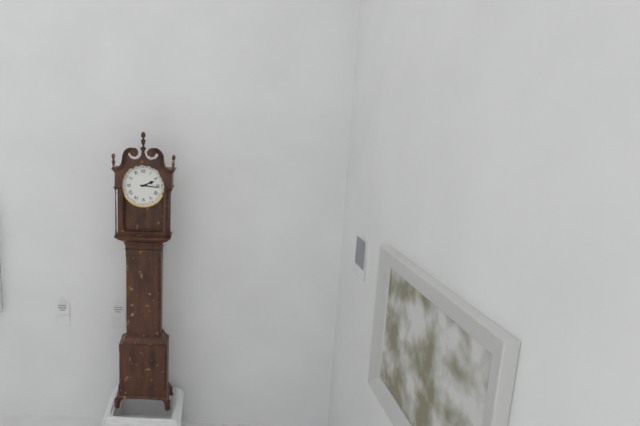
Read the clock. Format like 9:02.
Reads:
2:16
